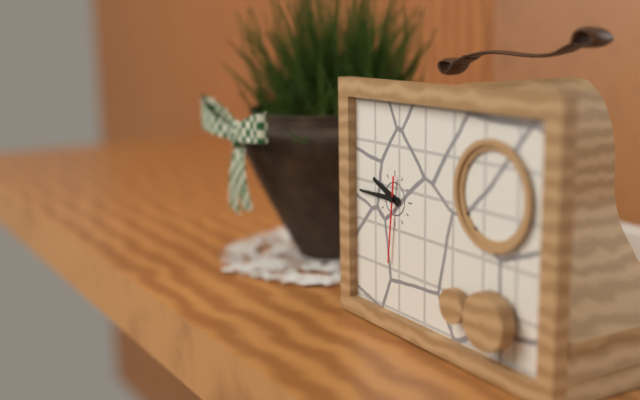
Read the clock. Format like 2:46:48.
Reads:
9:45:31
